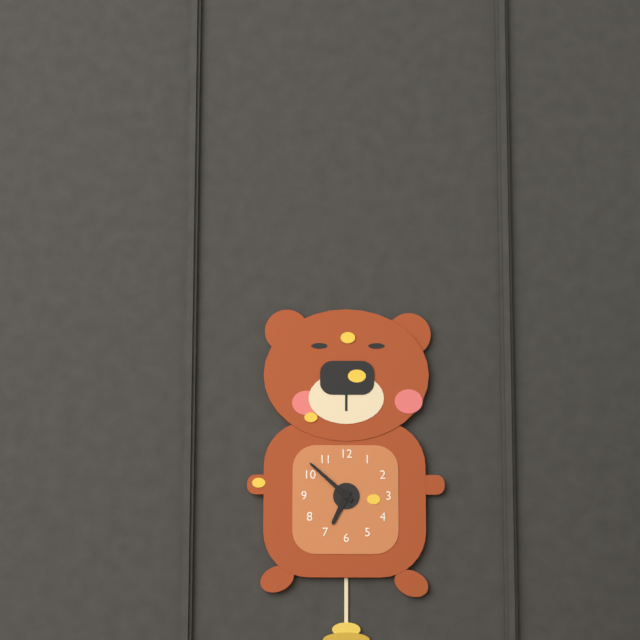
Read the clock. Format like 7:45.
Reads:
6:52
